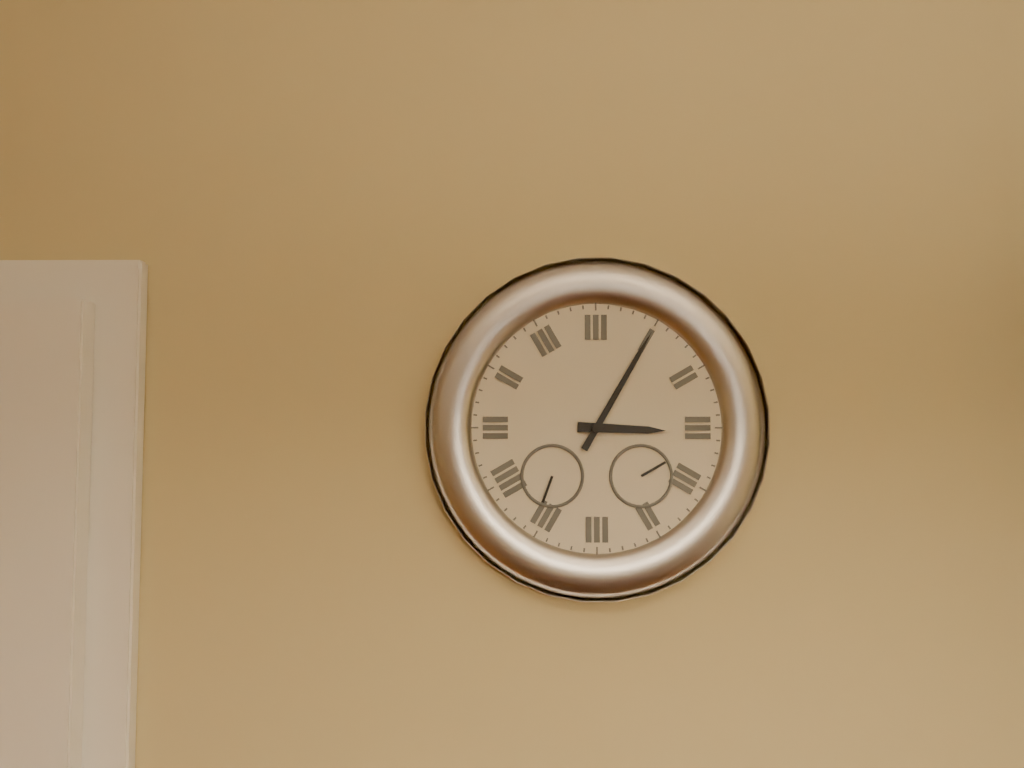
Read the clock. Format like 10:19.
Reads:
3:05
